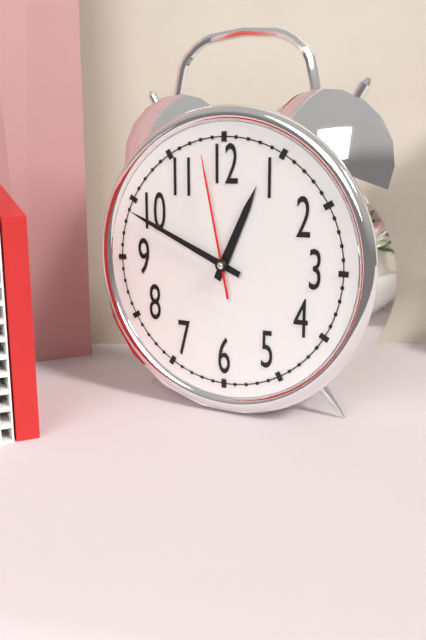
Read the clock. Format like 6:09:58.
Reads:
12:49:58
